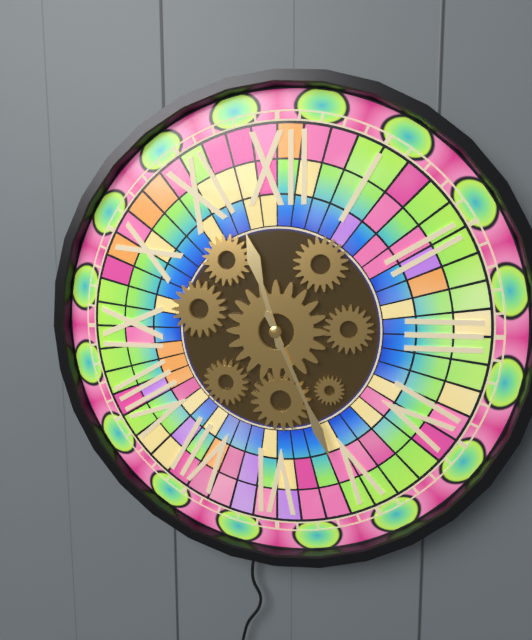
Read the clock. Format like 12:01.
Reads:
11:26
